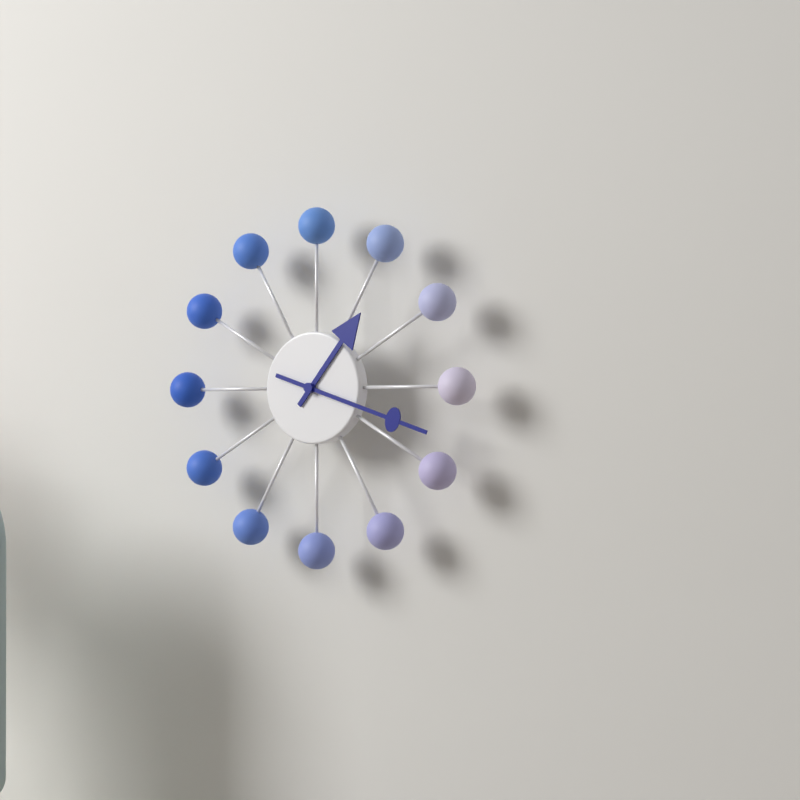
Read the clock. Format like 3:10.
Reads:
1:18
